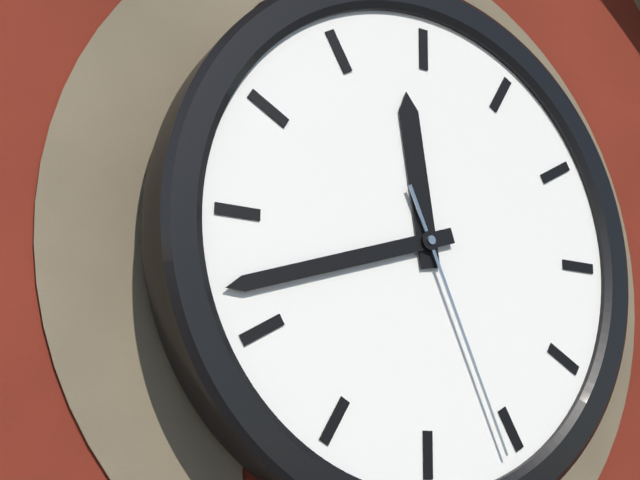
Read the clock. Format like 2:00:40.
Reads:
11:42:26
